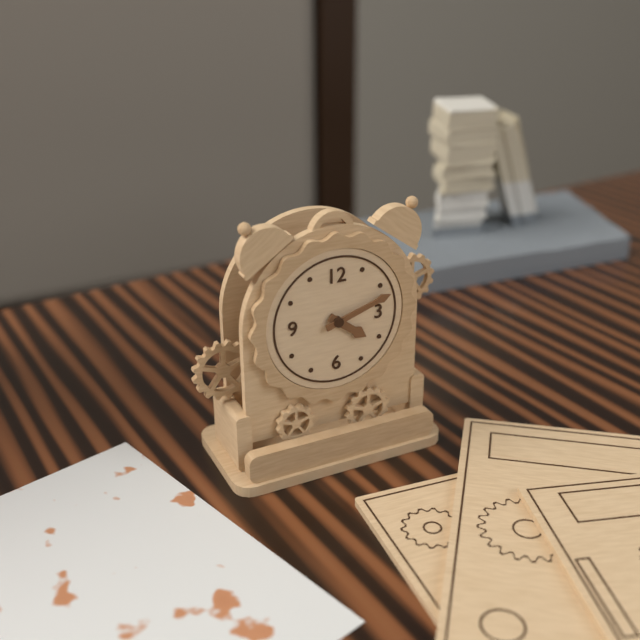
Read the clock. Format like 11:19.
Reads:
4:12
